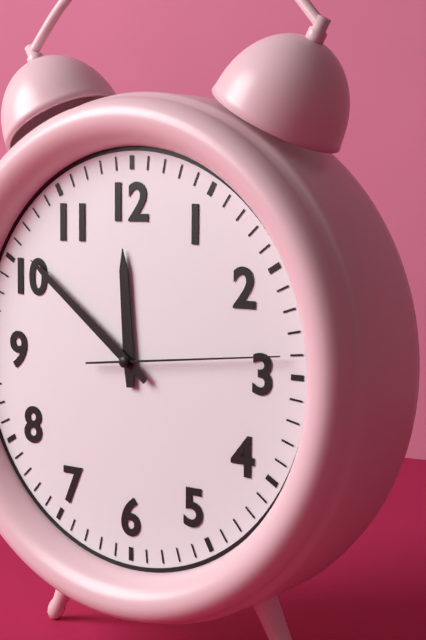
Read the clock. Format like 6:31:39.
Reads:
11:51:14
